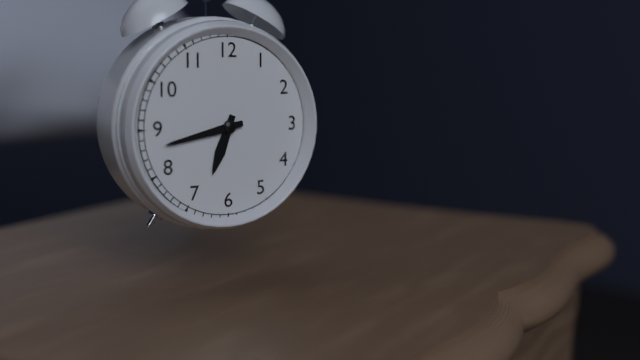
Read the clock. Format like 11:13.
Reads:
6:43
